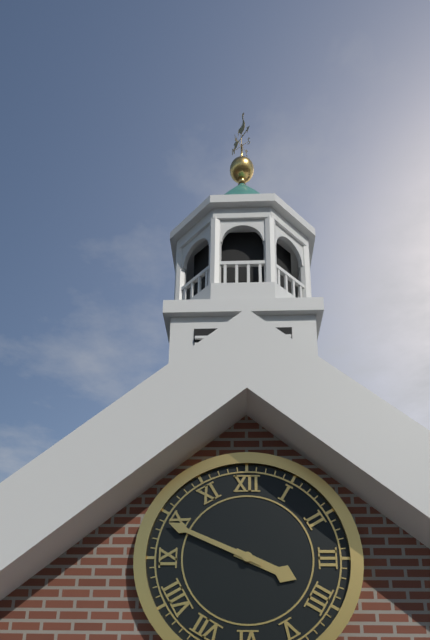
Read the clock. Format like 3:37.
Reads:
3:49
